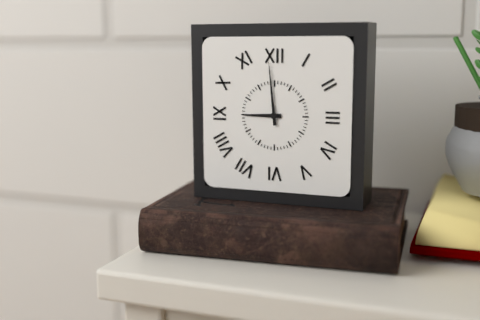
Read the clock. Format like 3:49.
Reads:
8:59
